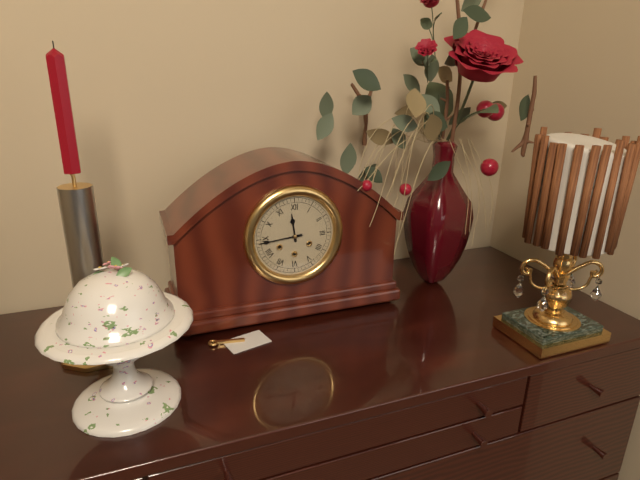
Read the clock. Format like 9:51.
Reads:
11:44
